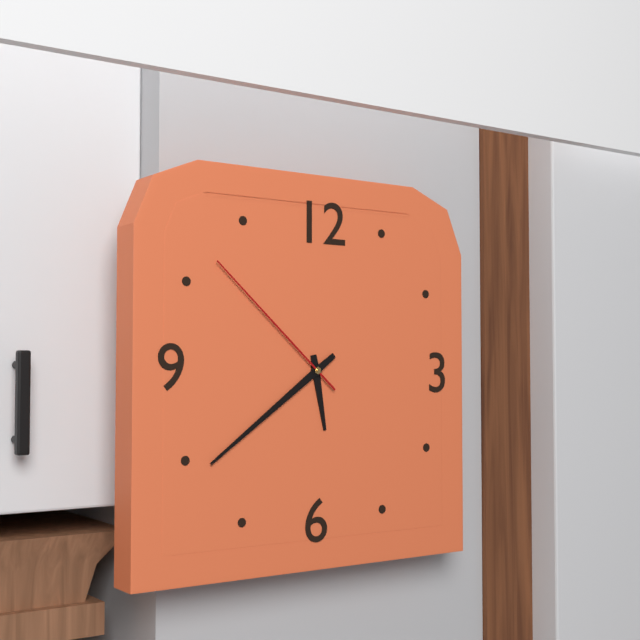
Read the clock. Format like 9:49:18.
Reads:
5:39:52
